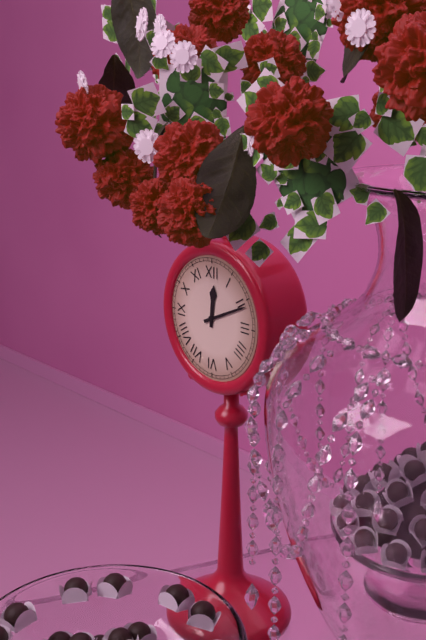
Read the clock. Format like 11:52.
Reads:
12:11
